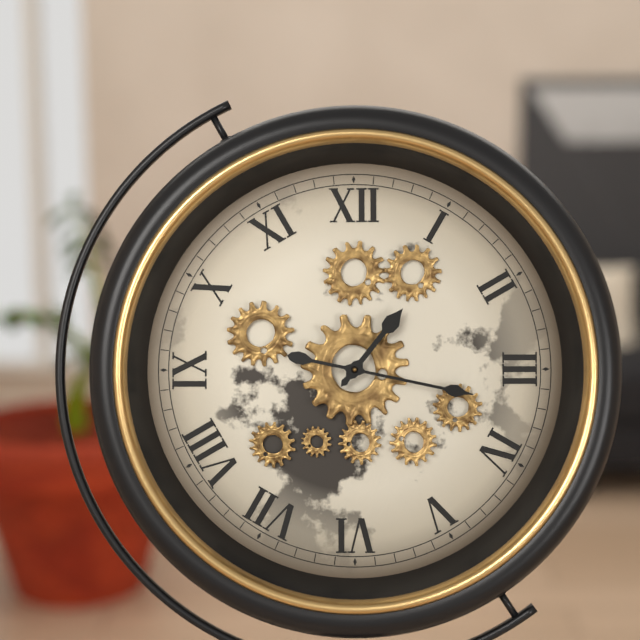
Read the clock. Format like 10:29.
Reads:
1:17
